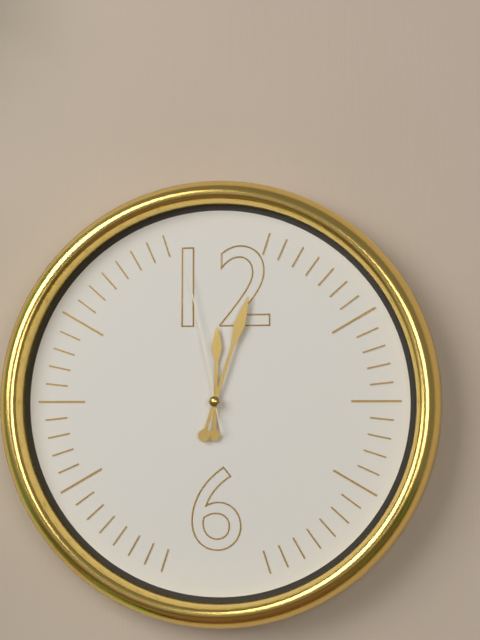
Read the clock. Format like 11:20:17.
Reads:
12:03:58
